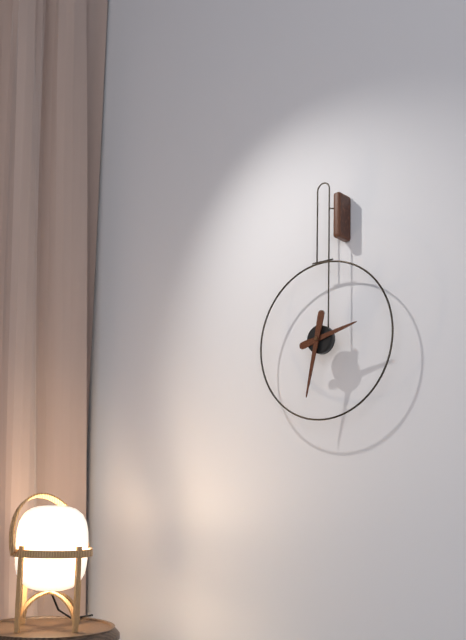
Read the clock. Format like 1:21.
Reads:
2:32
